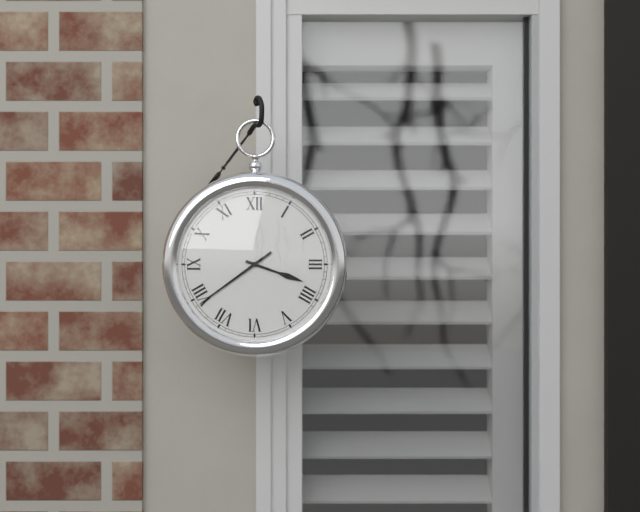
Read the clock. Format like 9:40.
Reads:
3:39
